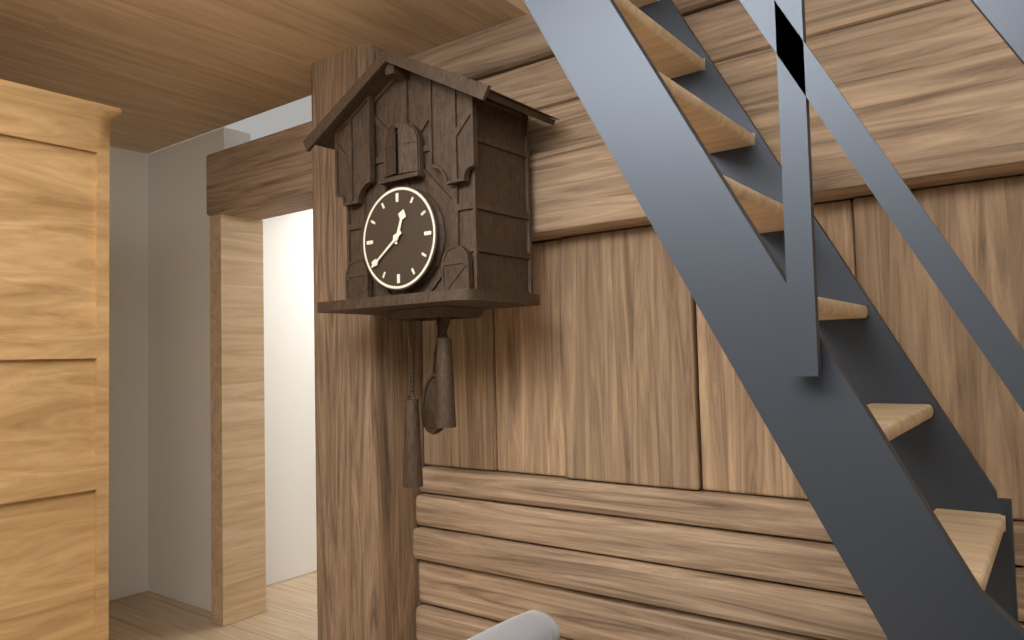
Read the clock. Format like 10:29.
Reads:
12:39
